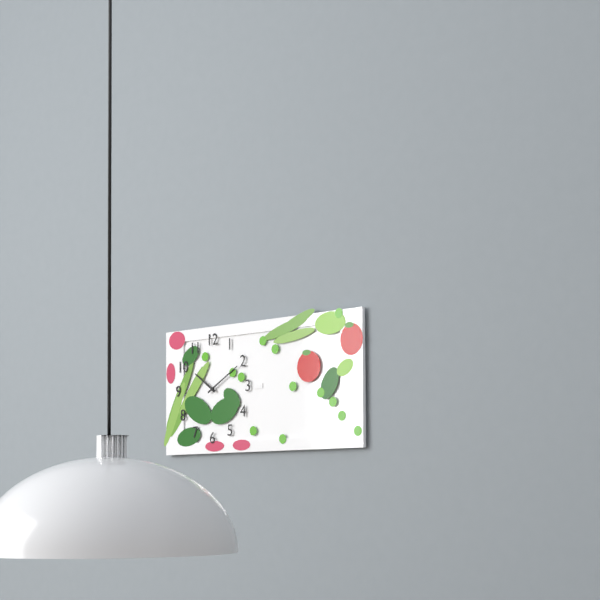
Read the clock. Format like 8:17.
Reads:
10:10
